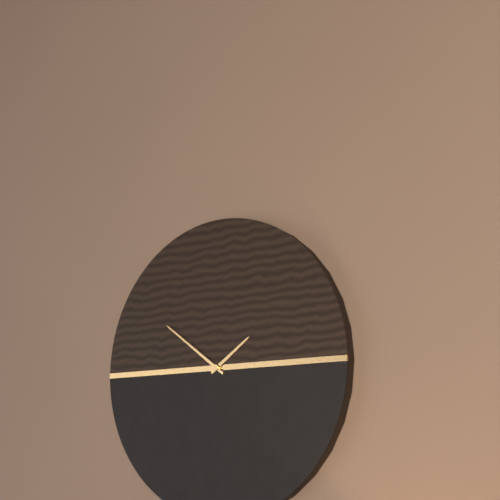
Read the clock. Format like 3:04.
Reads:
1:51
